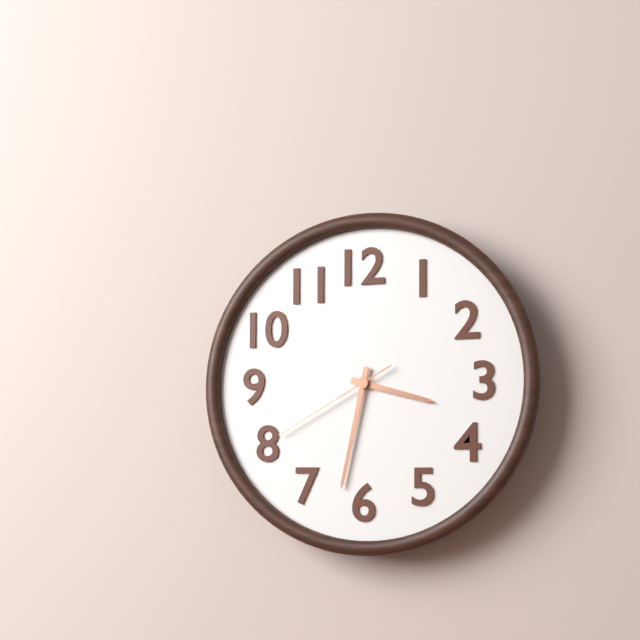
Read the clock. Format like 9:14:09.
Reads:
3:32:40
